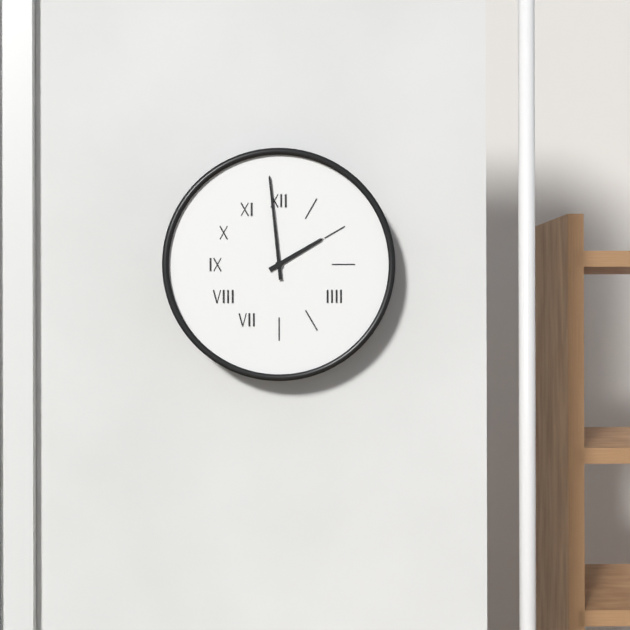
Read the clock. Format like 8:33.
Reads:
1:59
